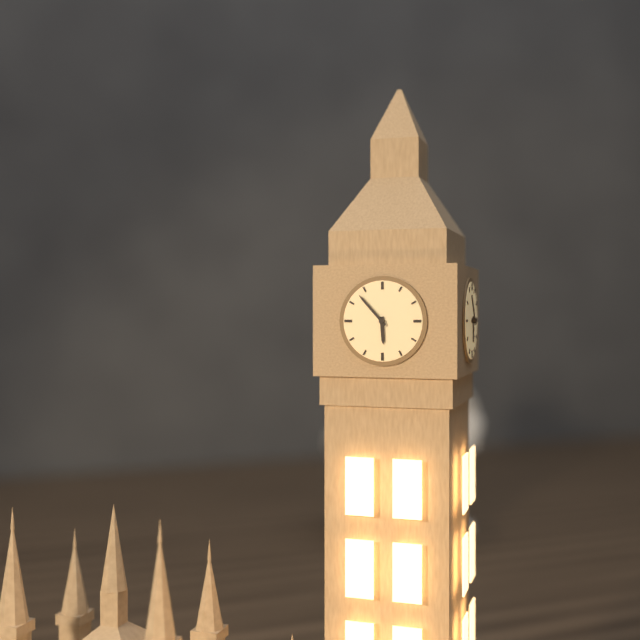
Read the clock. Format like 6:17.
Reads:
5:53
